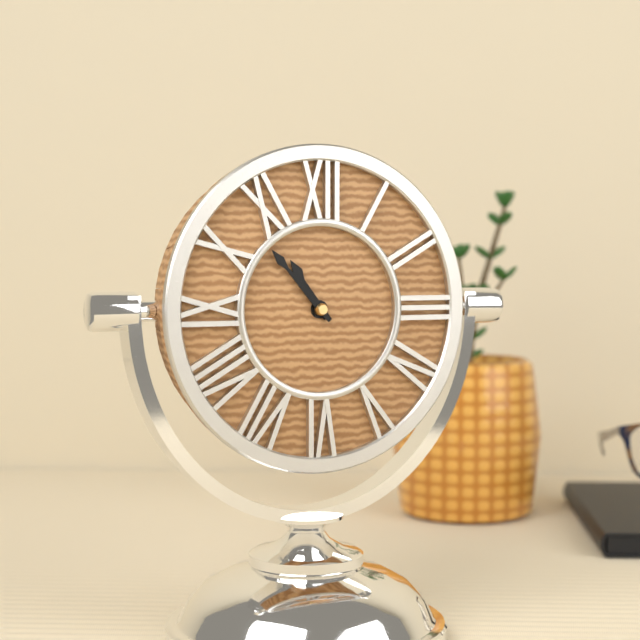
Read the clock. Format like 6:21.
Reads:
10:53
